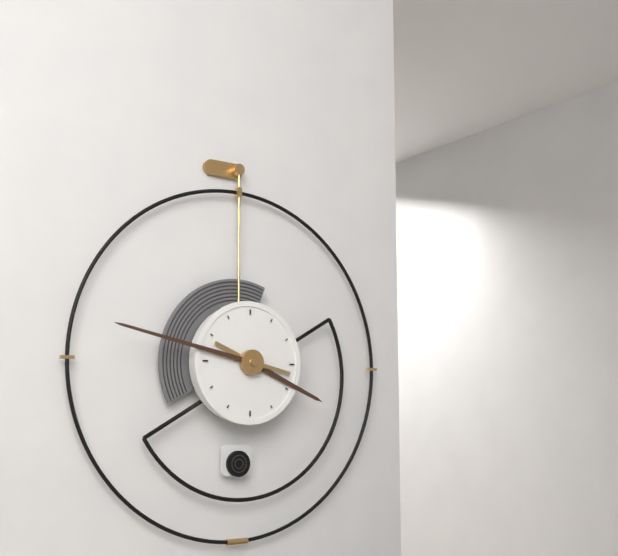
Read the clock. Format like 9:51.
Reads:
3:47
